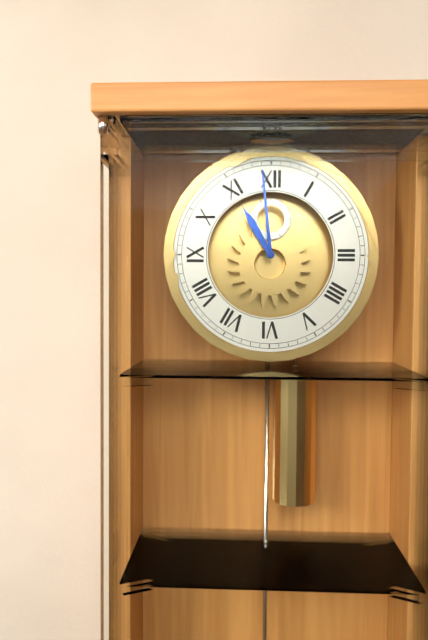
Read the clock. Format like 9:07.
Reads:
10:59
